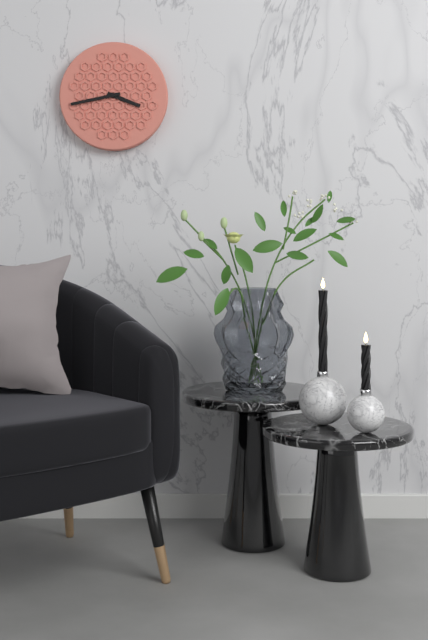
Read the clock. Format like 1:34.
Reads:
3:43
